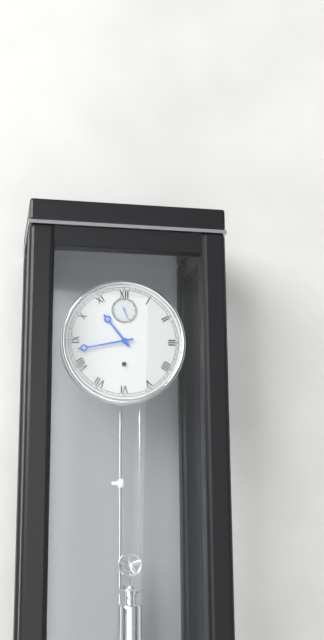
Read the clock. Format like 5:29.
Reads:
10:43
